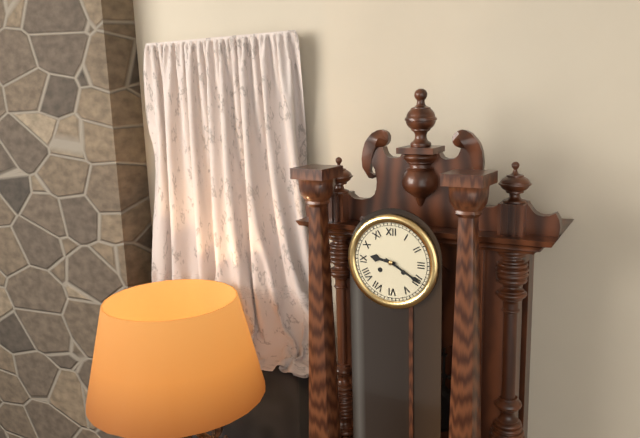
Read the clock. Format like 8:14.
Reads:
9:20
